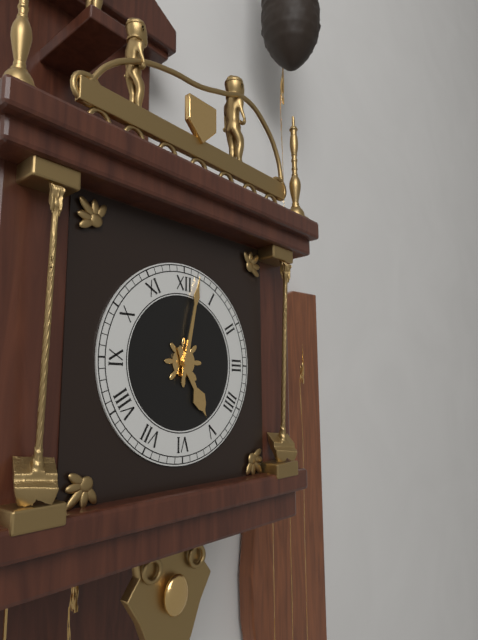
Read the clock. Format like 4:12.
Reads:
5:02
